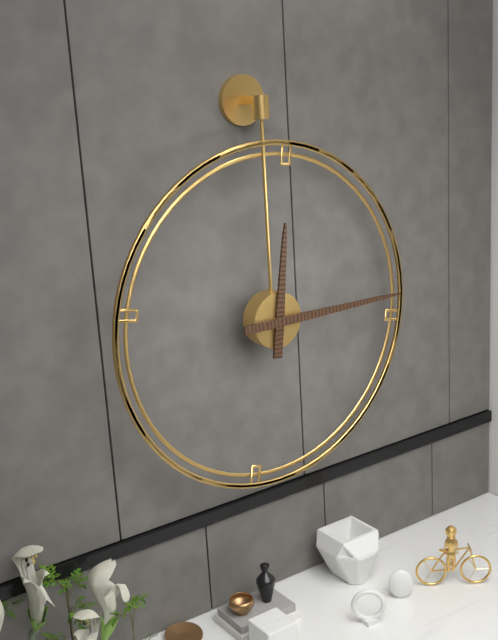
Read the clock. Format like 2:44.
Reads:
12:15
